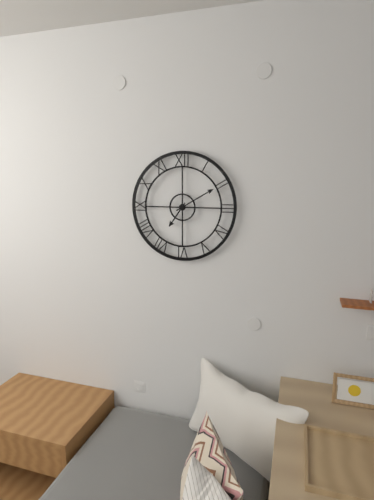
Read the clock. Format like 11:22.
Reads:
7:10
